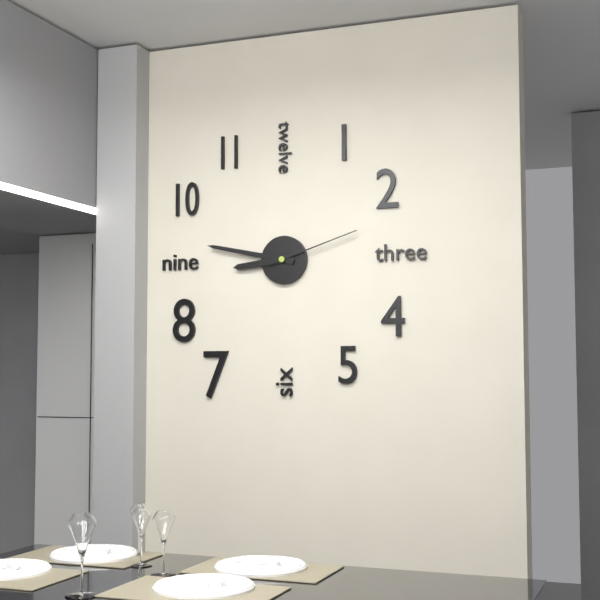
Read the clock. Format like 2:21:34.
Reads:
8:47:12
